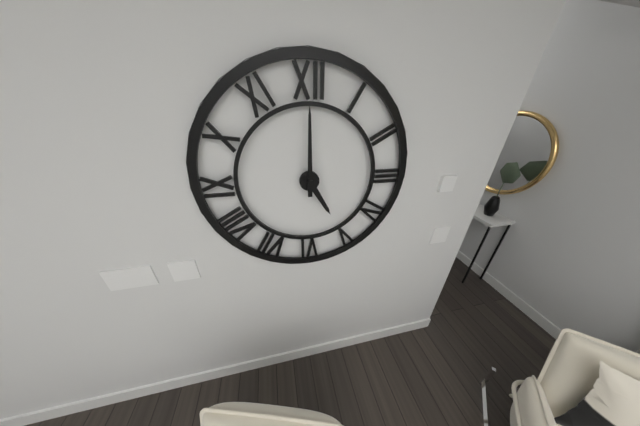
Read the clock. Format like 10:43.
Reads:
5:00
